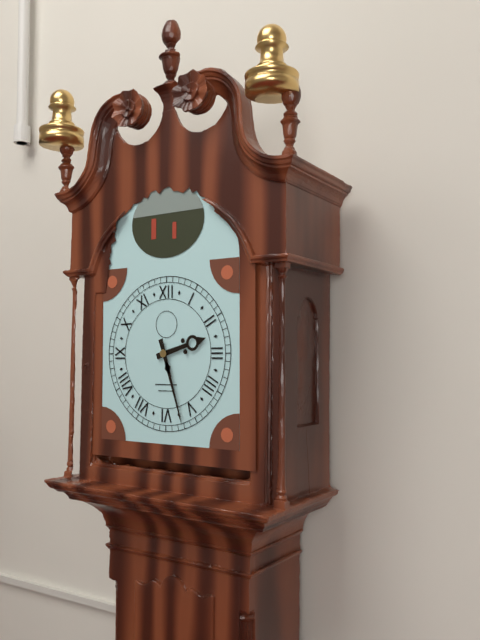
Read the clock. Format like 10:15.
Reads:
2:27
